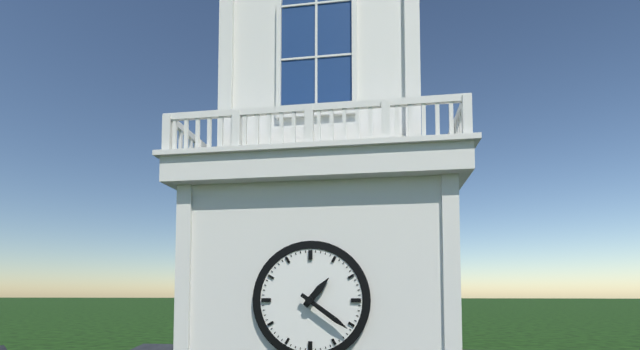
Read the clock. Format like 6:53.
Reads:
1:21
